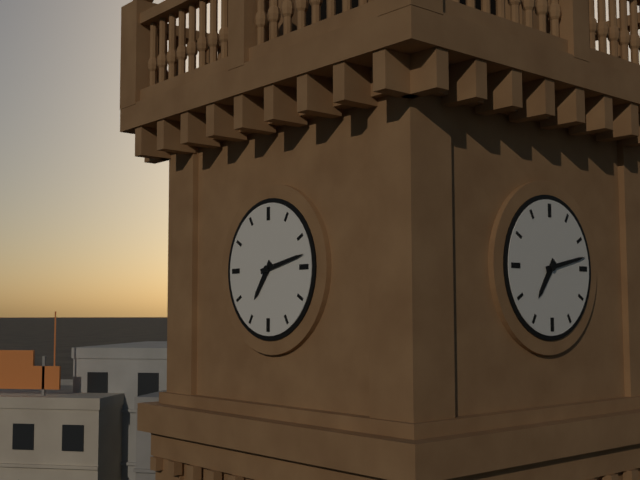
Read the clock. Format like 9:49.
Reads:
7:13
